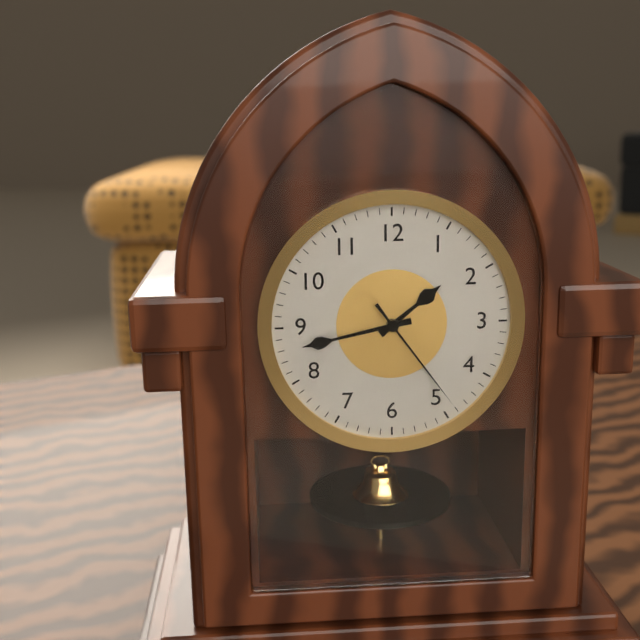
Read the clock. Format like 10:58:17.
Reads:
1:43:24
